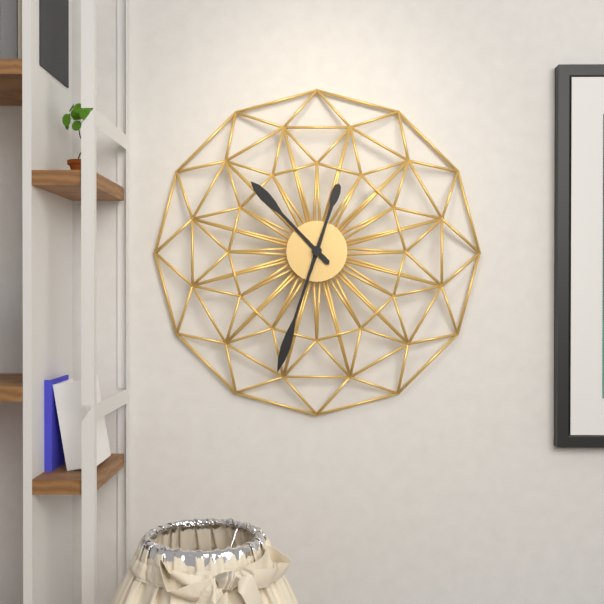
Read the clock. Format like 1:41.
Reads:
10:33
